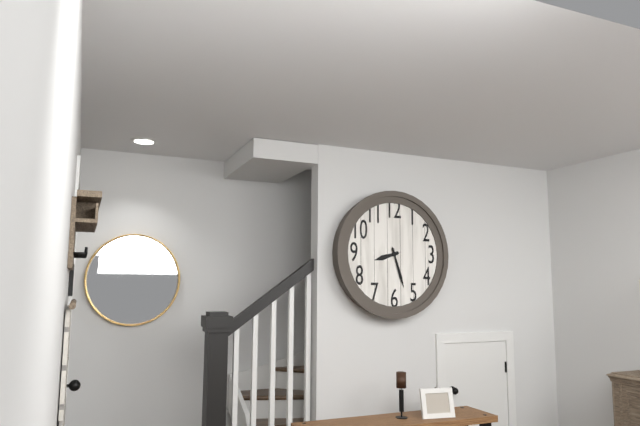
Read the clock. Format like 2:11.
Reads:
8:27
